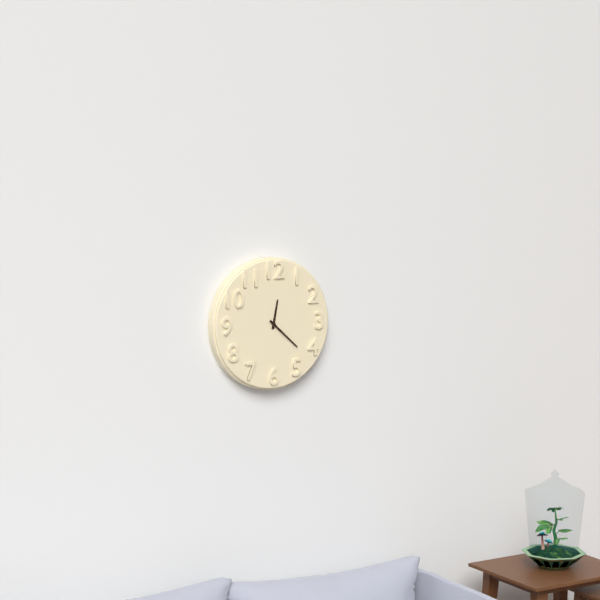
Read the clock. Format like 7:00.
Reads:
12:22
